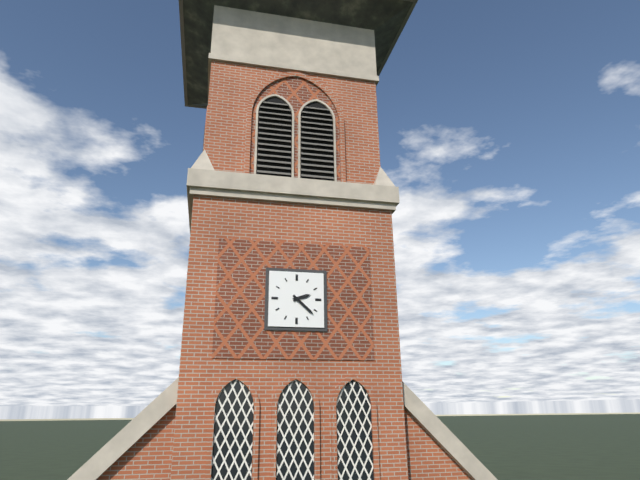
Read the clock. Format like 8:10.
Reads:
2:22
